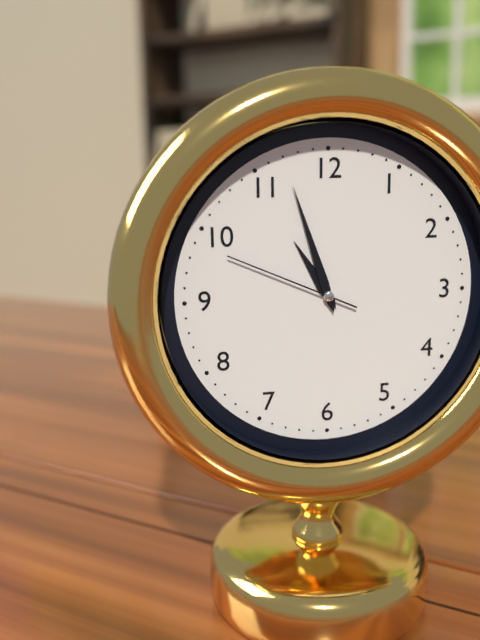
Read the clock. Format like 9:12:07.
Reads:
10:57:49
